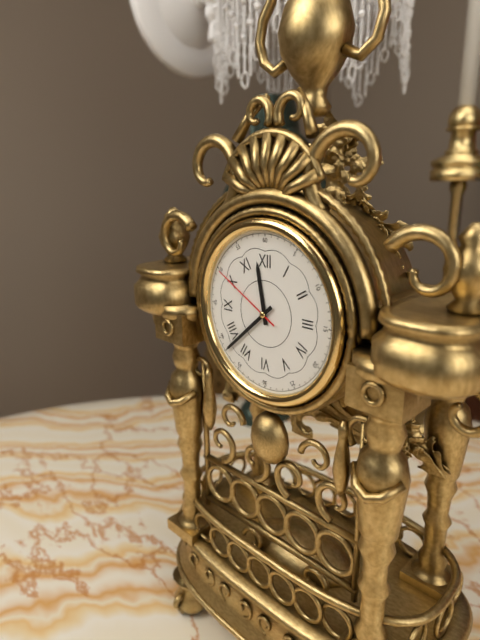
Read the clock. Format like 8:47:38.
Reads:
11:38:50
